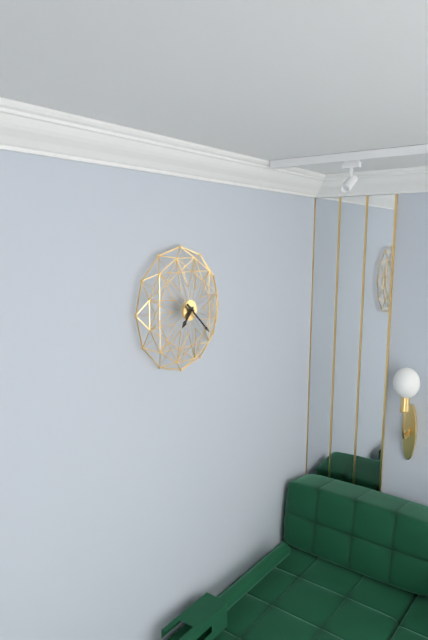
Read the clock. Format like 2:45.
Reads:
7:22
